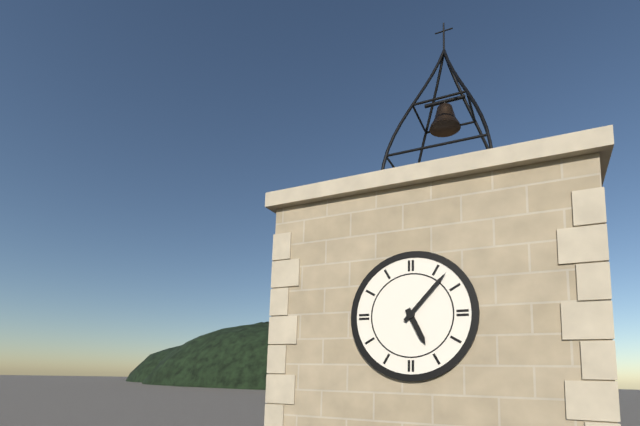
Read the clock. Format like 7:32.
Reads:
5:07
